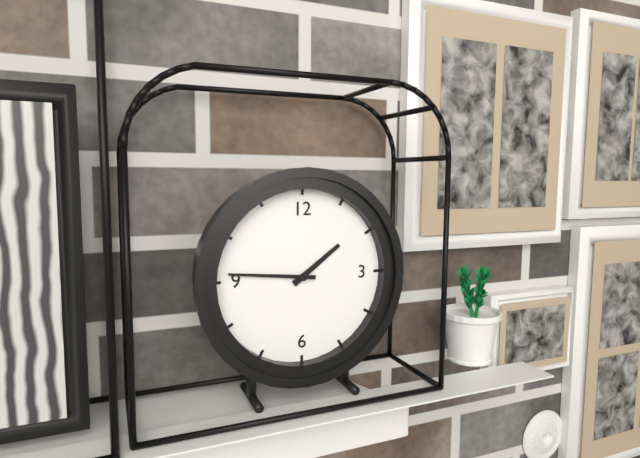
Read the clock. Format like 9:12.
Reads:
1:46
